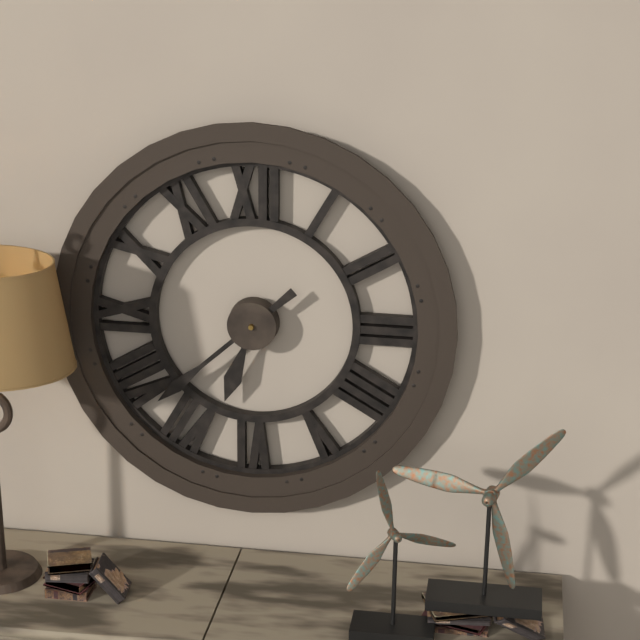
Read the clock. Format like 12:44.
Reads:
6:38
